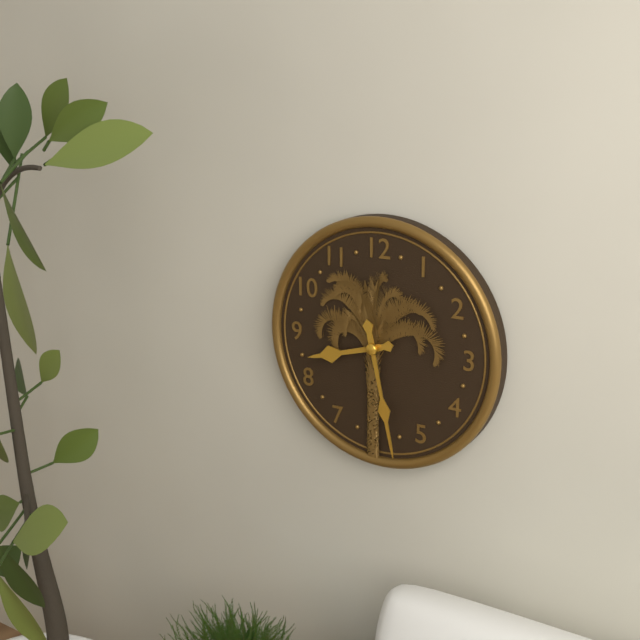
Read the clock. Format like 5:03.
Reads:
8:28
